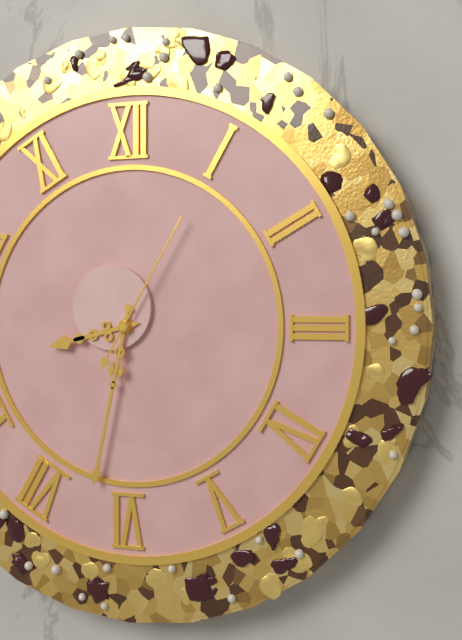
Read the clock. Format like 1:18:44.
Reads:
8:32:05
